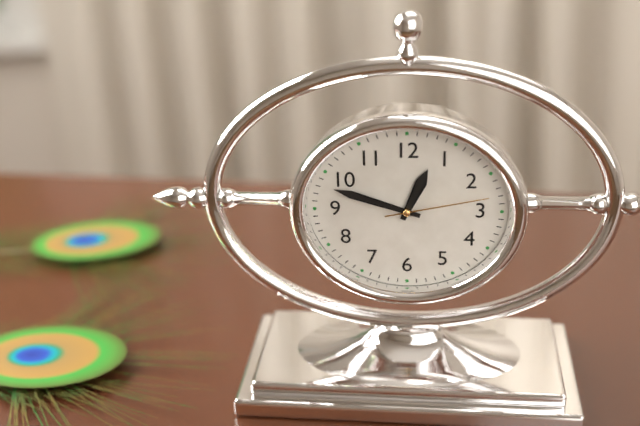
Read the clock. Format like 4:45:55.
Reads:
12:48:13
